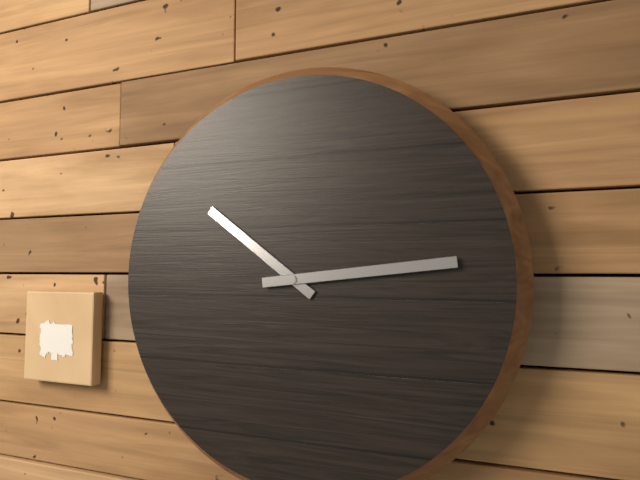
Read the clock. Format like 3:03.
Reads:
10:14
